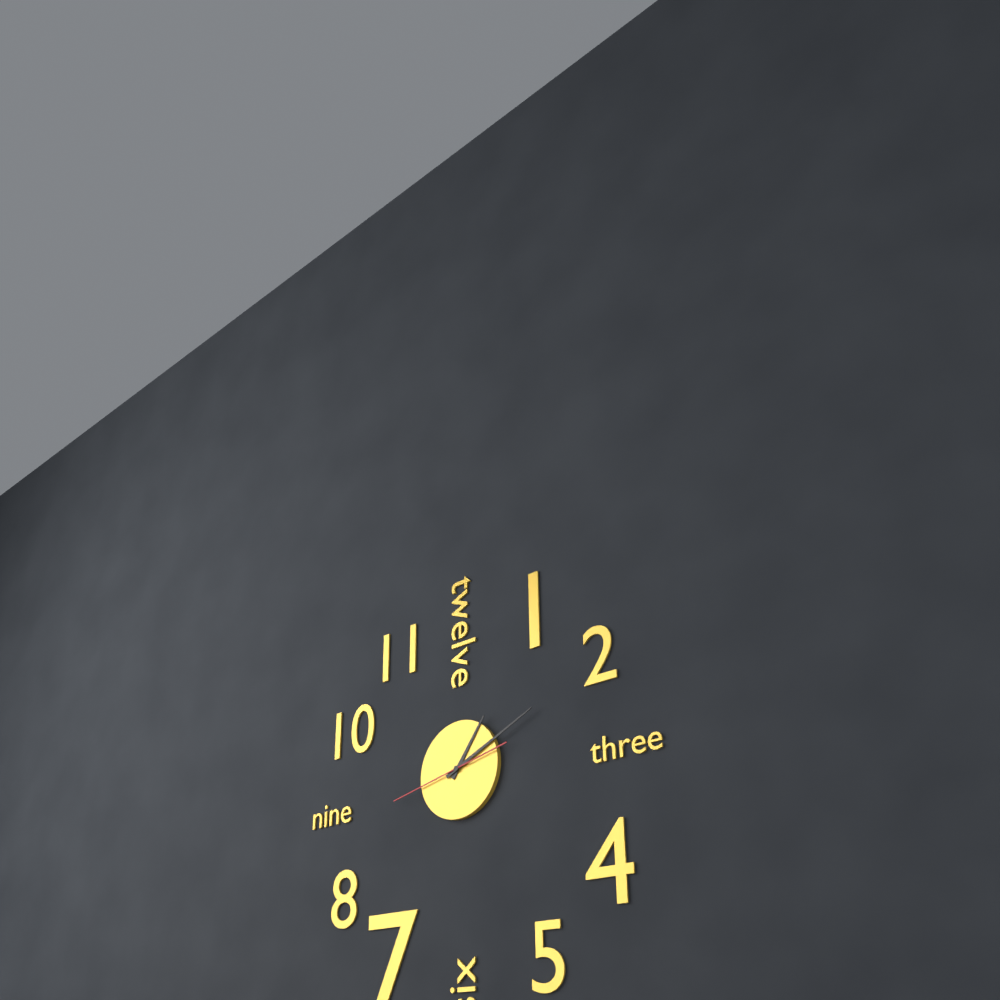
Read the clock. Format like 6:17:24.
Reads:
1:11:43
